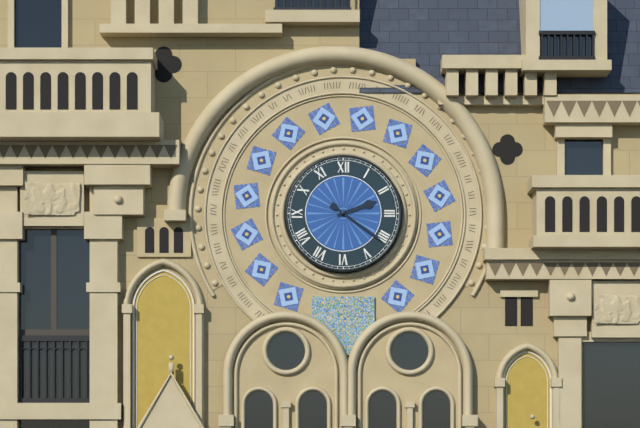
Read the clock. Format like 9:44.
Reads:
2:21
